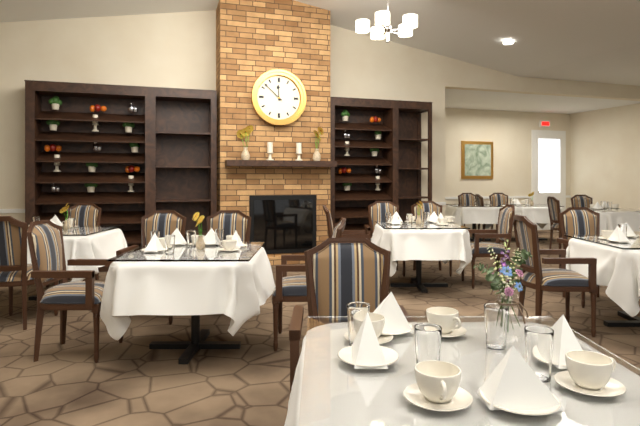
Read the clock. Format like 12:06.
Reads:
11:52
